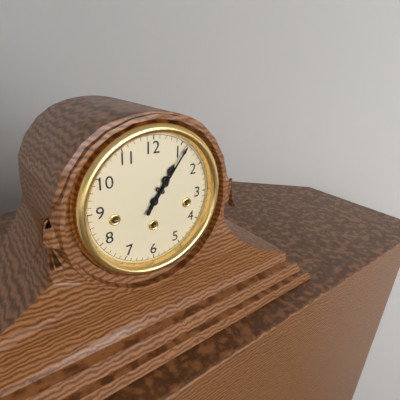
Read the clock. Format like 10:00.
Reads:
1:06
